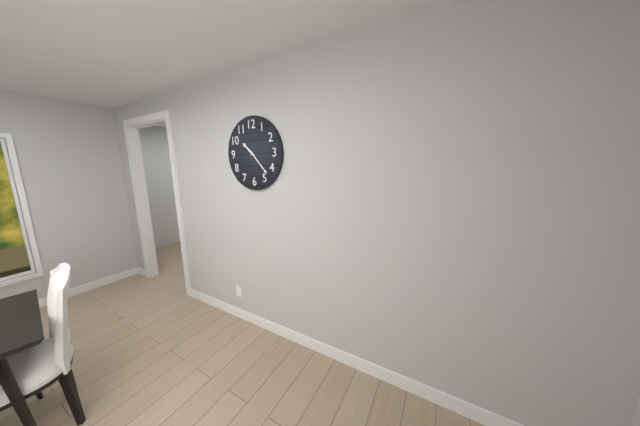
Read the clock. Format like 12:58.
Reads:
10:23
